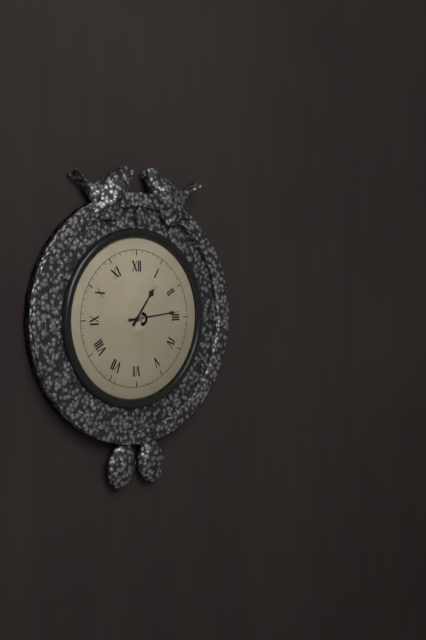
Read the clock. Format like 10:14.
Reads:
1:14
